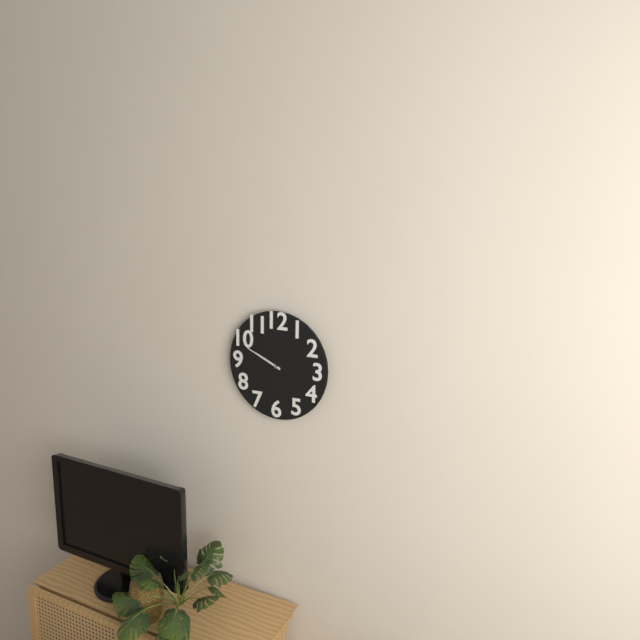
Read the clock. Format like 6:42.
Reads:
9:49
